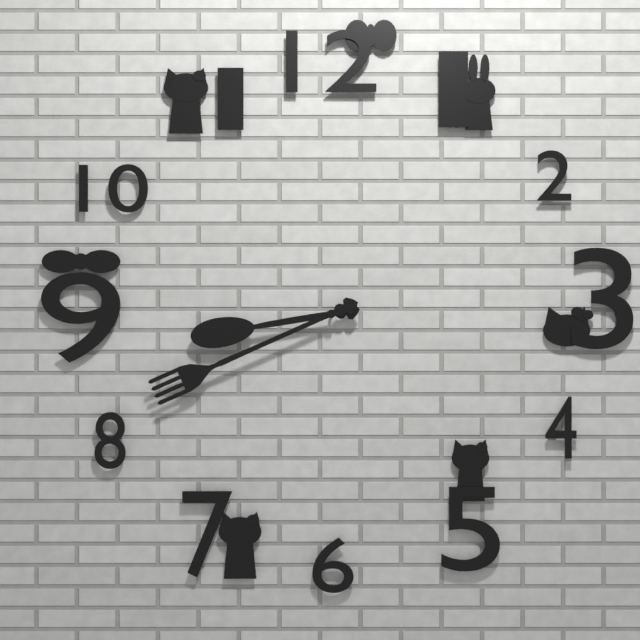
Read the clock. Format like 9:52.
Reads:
8:41
